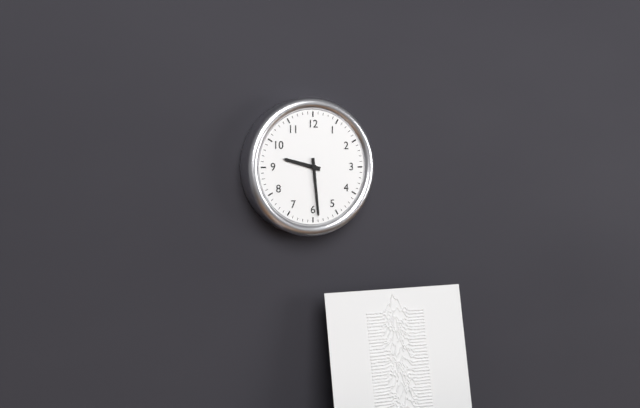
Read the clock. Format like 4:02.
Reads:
9:29
